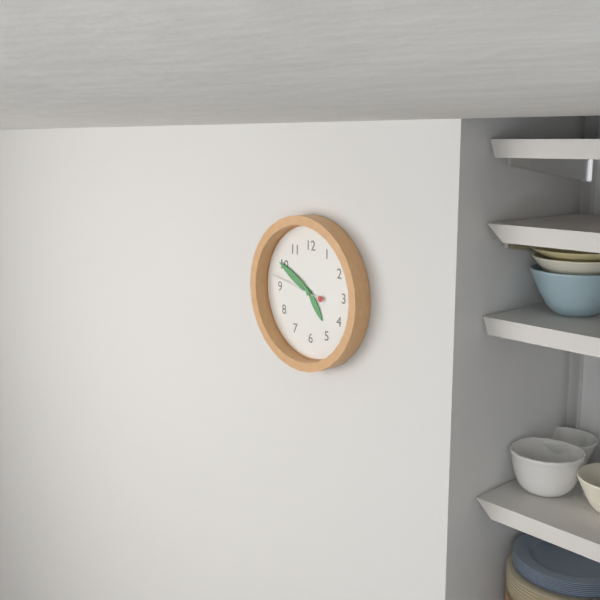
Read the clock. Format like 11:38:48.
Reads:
4:50:47
